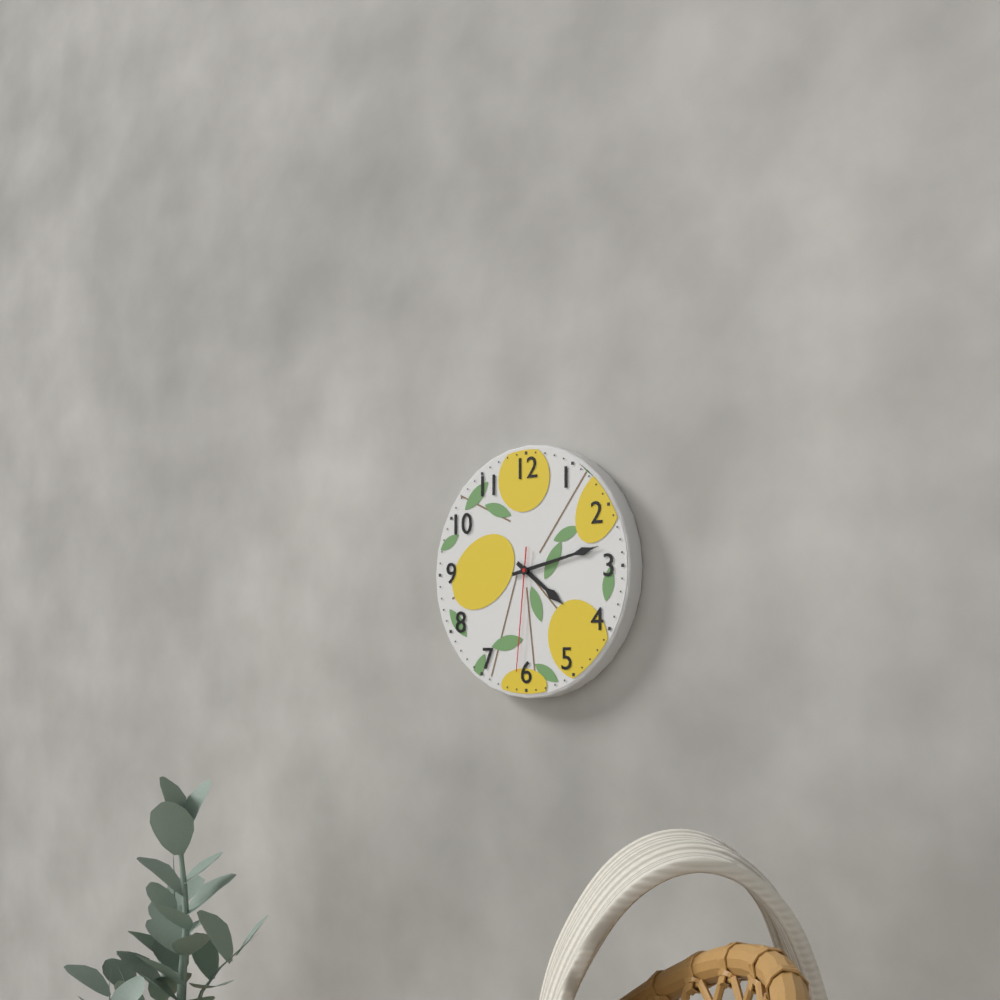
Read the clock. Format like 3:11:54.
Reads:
4:13:31
